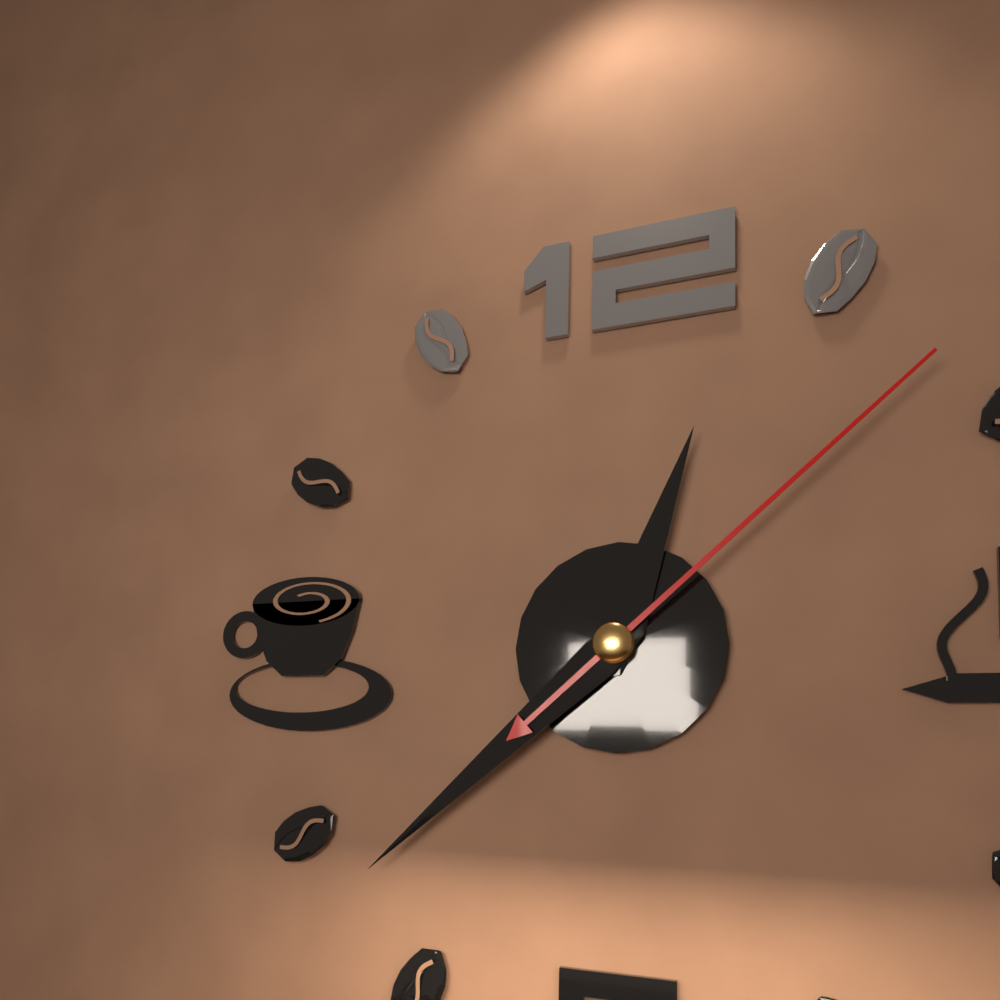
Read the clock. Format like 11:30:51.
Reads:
12:38:08
